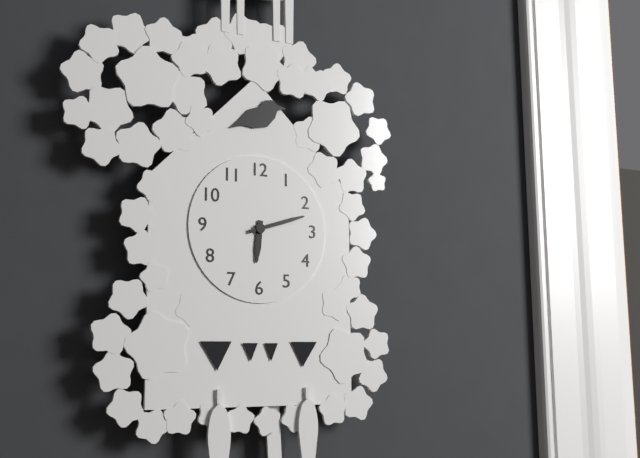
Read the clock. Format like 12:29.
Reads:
6:12
